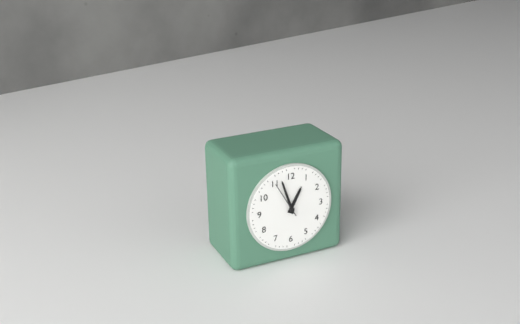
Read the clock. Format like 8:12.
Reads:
12:57
